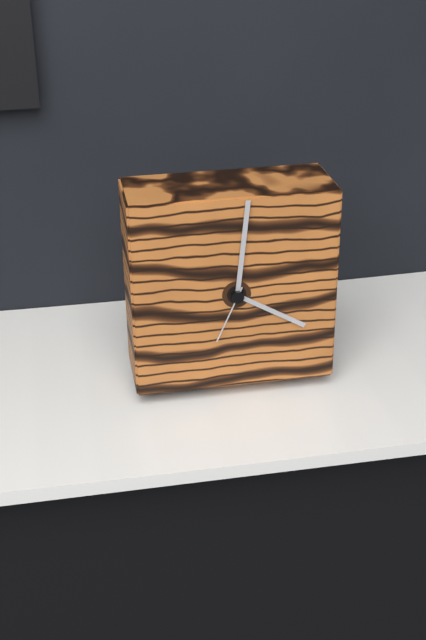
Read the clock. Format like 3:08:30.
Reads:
4:01:34
